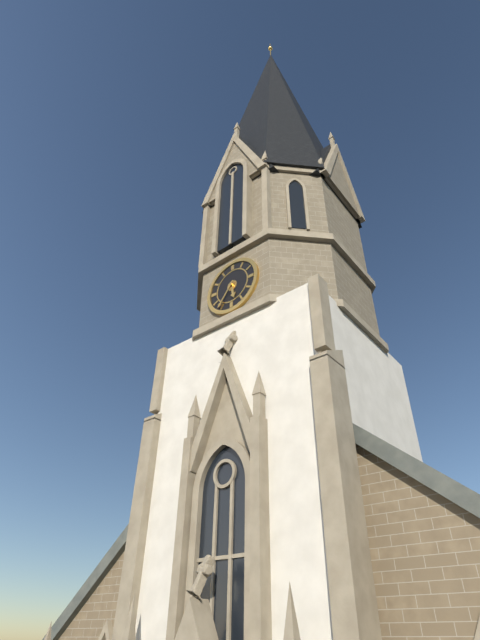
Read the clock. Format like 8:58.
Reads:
5:36
